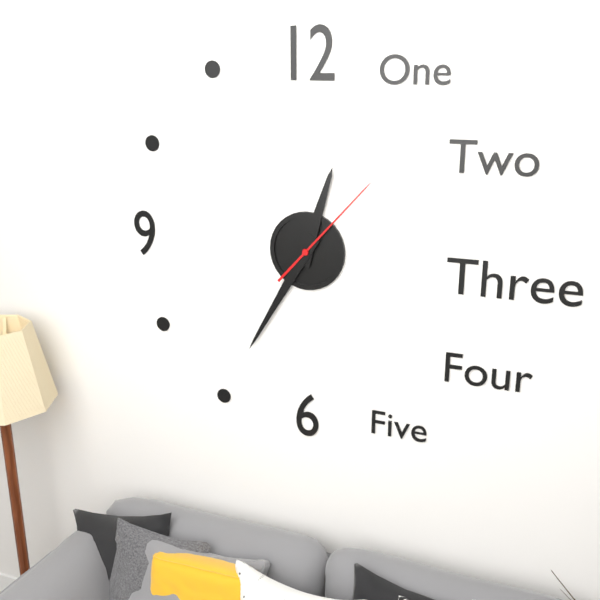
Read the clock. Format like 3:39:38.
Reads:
12:35:07
